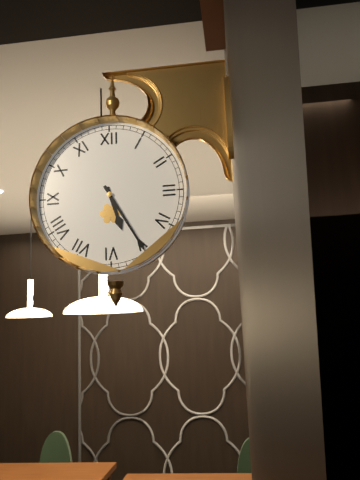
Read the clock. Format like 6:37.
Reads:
5:25
